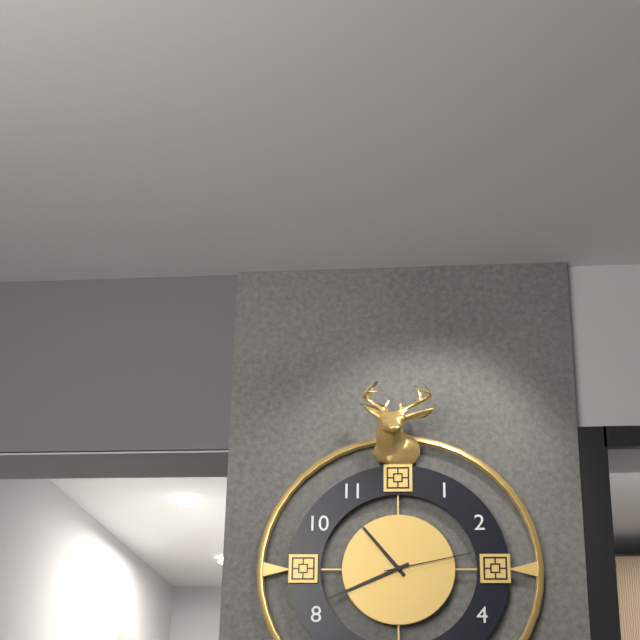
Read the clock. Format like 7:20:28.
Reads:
10:41:13
